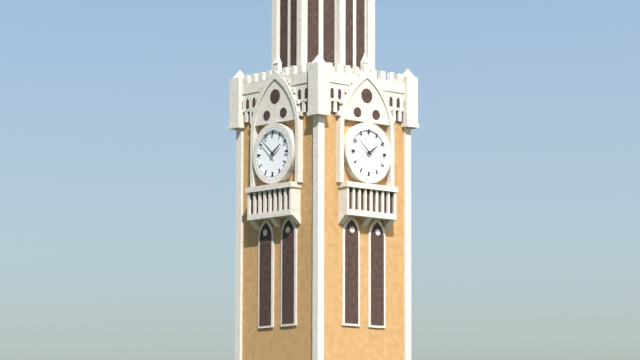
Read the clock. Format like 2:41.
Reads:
1:52
